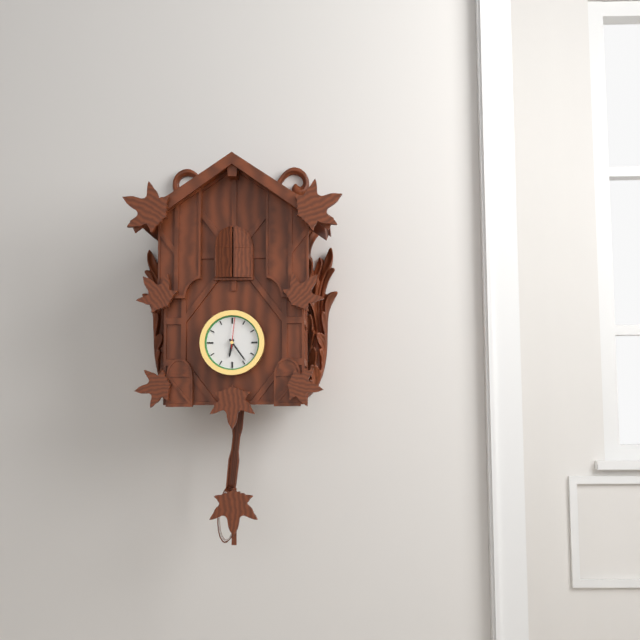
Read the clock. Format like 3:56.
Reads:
6:24
